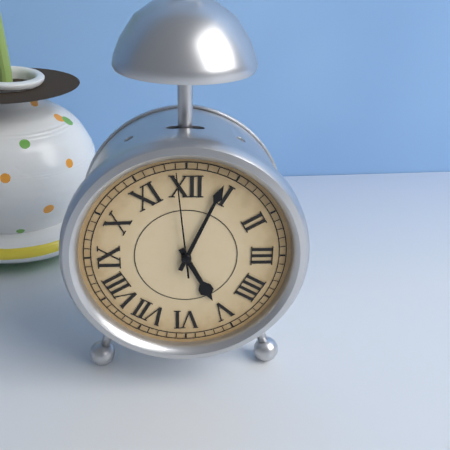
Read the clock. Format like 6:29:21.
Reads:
5:04:59
